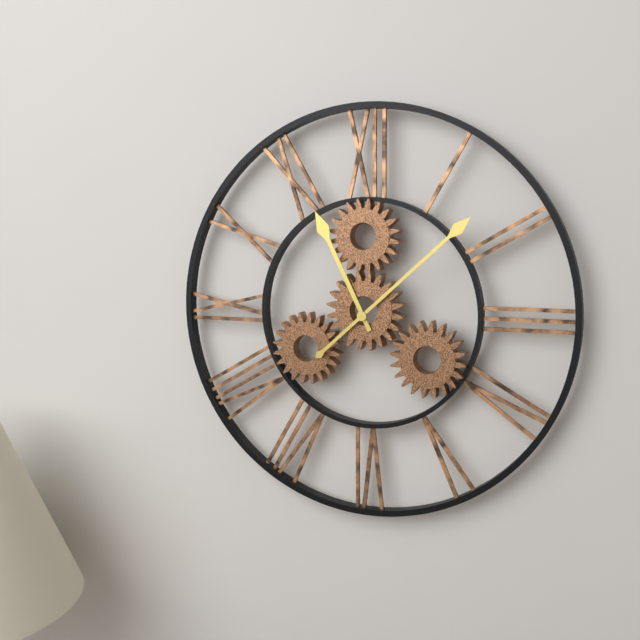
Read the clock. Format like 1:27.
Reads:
11:08
